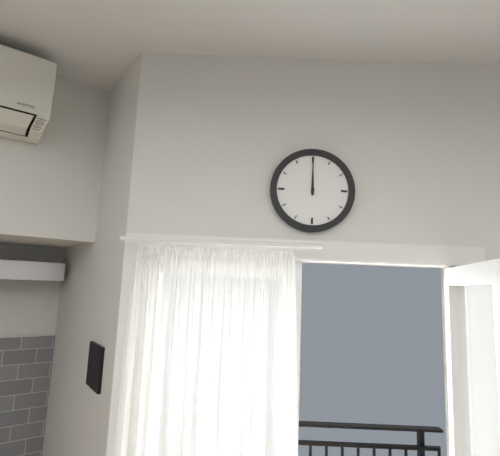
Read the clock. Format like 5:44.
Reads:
12:00
